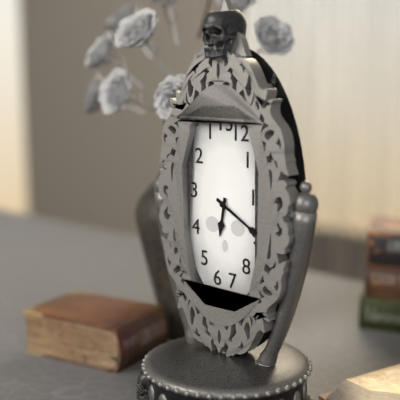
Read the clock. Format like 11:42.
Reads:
6:20
